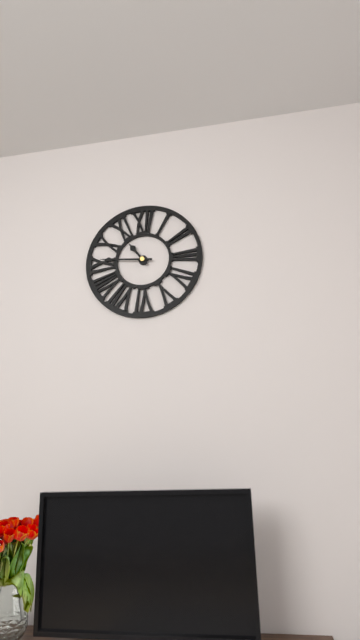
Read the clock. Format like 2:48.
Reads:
10:46
